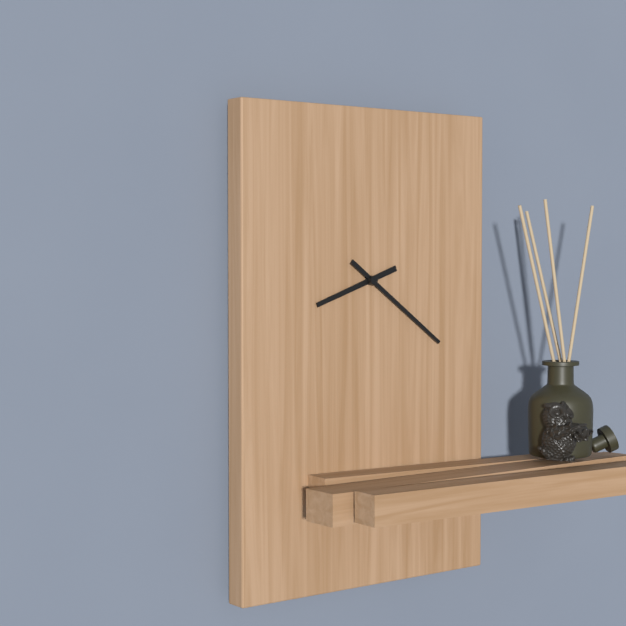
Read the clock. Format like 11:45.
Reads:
8:21
